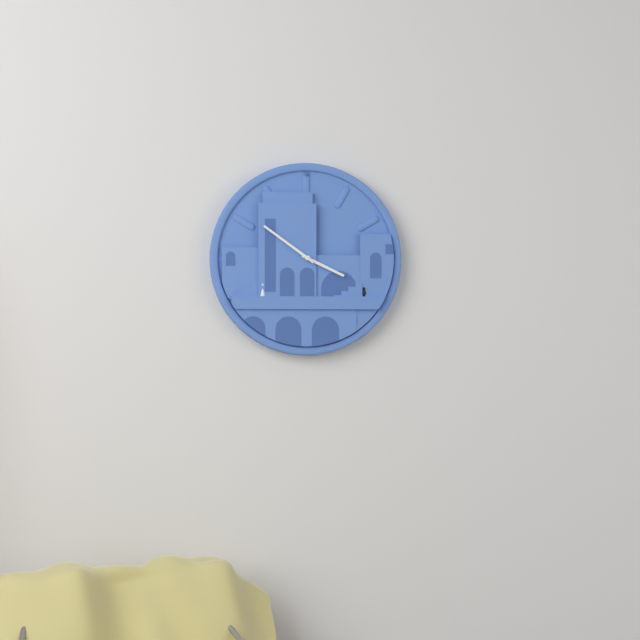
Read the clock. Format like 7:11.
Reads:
3:51
